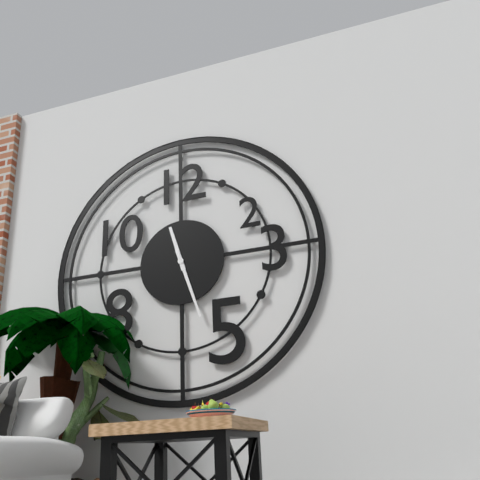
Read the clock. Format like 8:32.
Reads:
11:27
